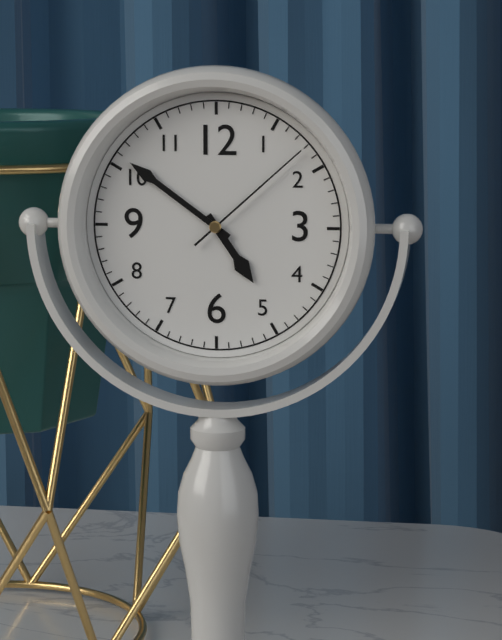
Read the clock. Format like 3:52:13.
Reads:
4:51:08
